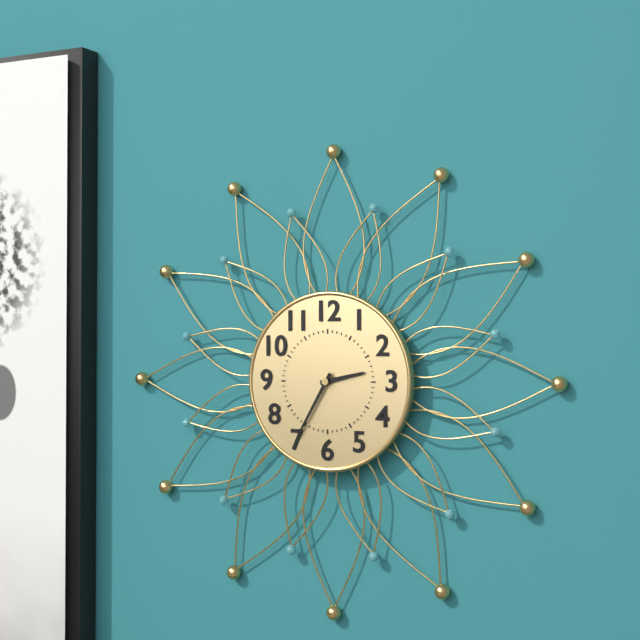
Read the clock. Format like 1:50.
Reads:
2:35
